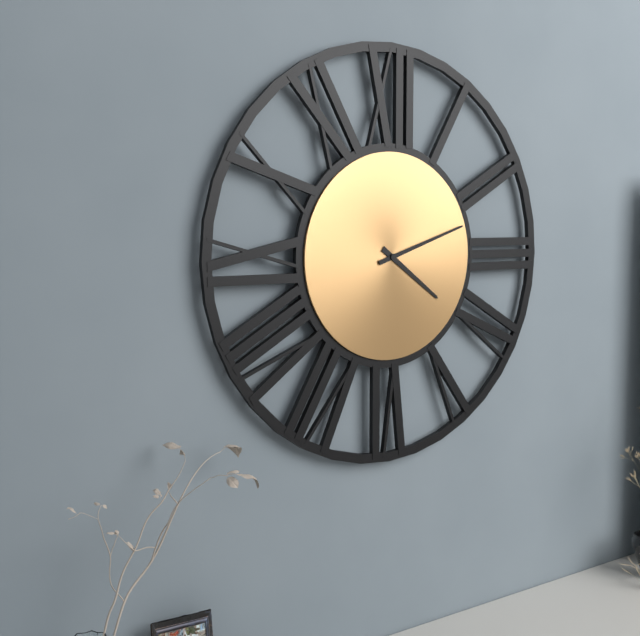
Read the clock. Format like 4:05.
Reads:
4:12
